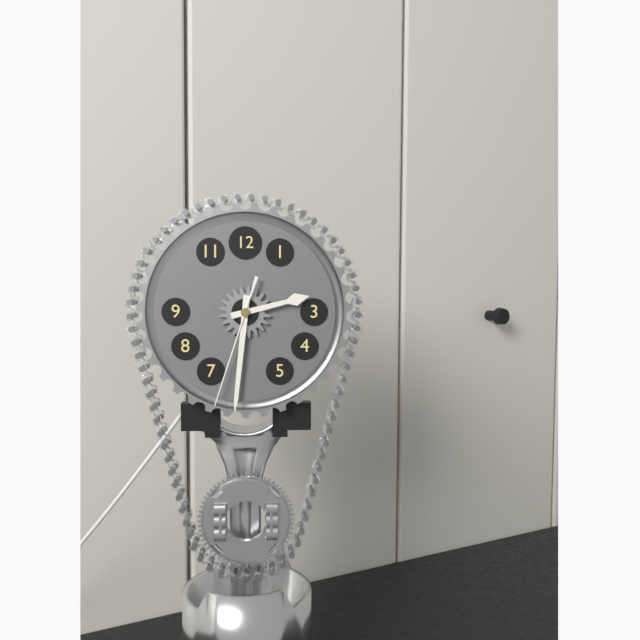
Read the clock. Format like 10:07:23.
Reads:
2:31:33
